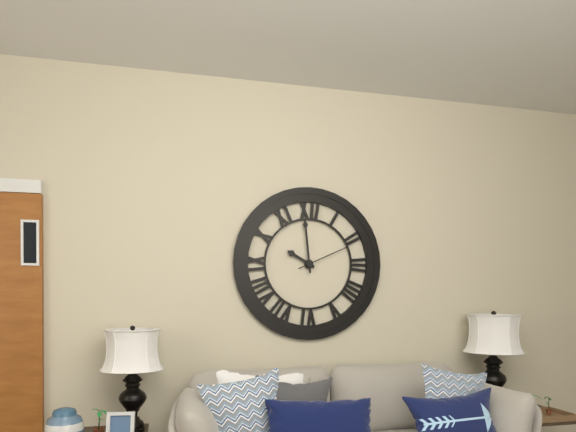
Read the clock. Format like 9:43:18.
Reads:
9:59:11
